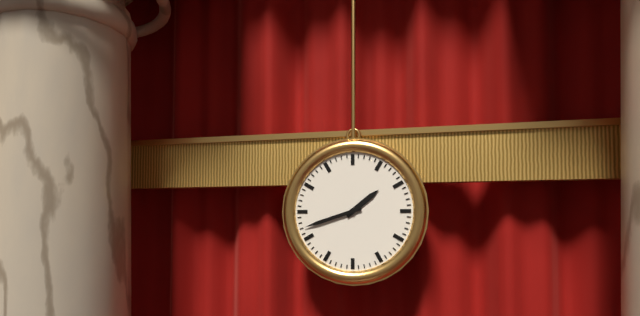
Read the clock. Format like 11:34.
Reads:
1:42
